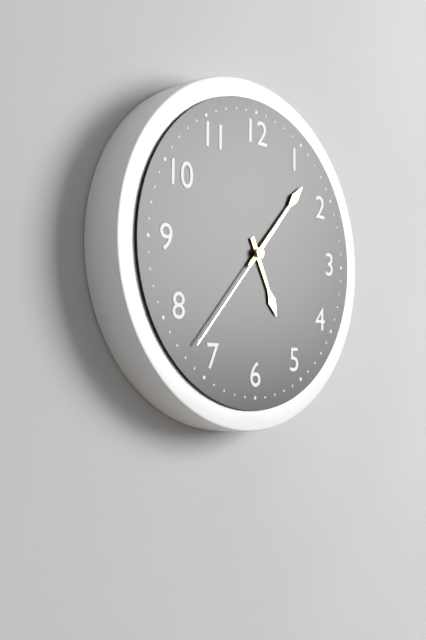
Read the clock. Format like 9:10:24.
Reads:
5:07:37
